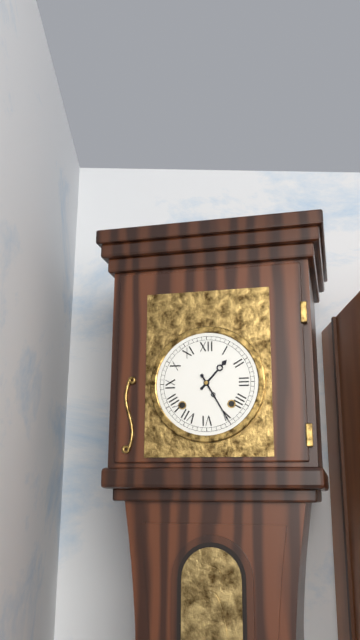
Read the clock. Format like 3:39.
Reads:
1:25
